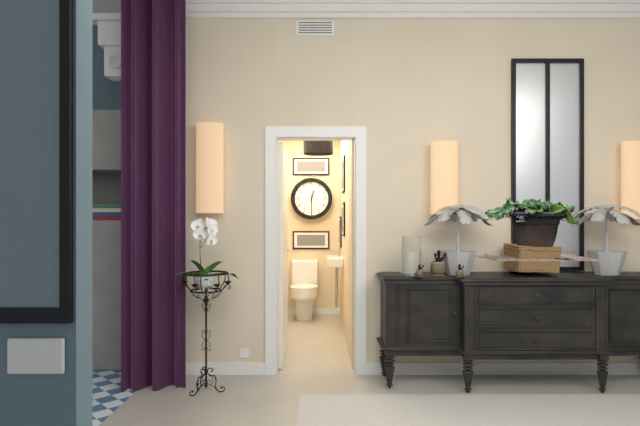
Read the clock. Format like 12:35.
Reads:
12:30
